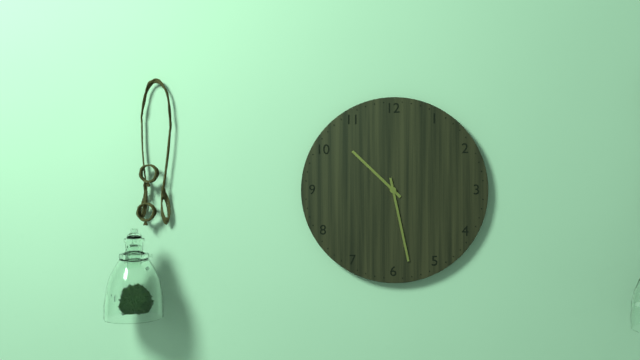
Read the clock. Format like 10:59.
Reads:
10:28
